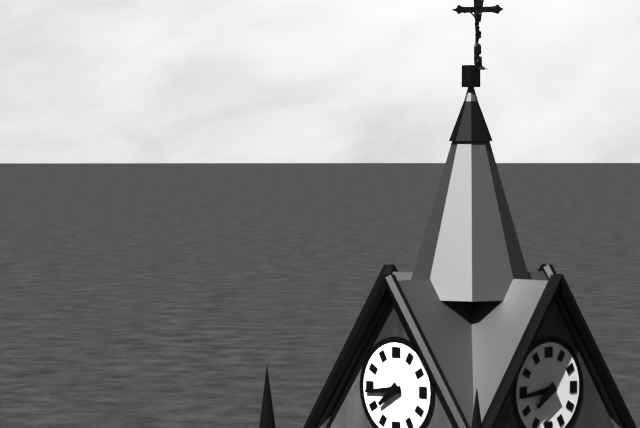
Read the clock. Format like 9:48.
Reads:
7:44
